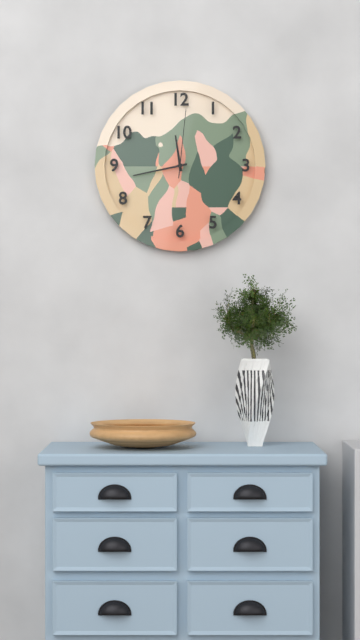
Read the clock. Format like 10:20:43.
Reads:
11:43:01
